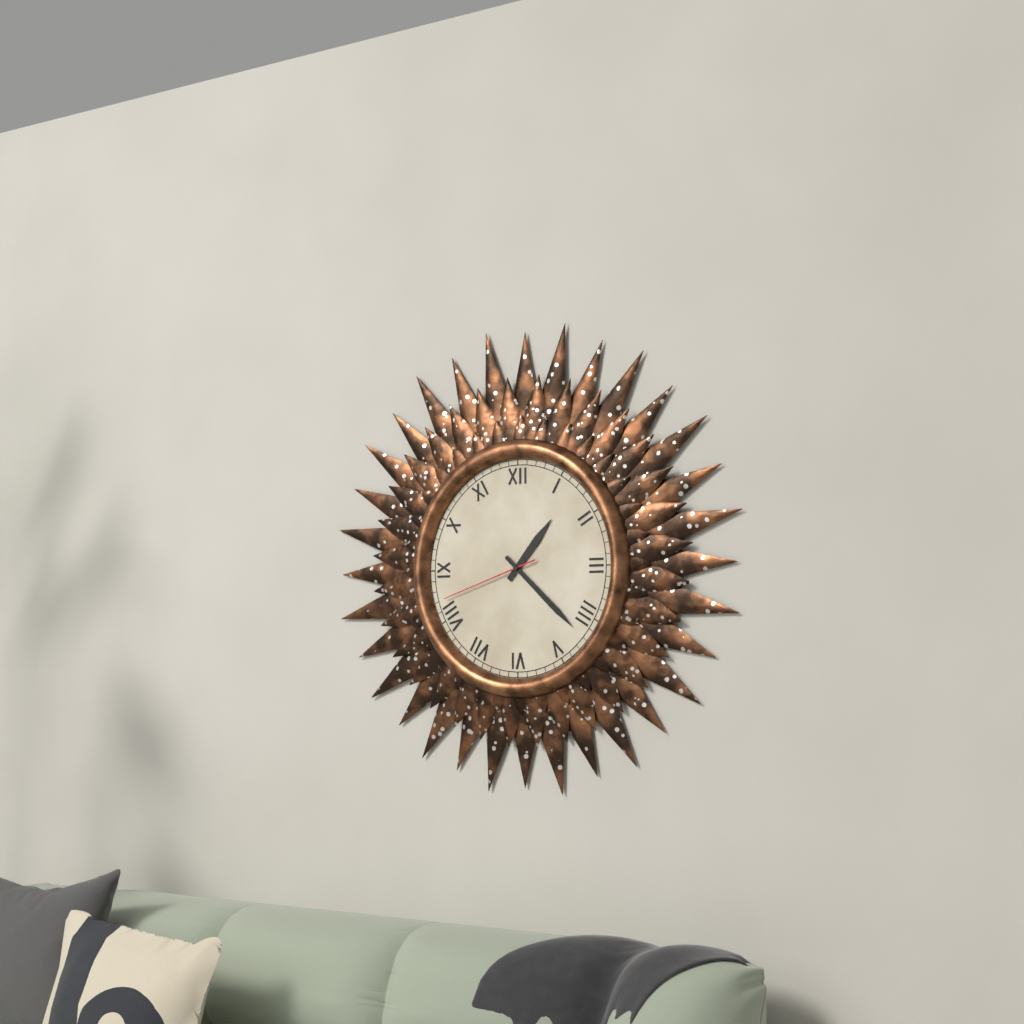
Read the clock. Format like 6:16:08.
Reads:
1:22:42
